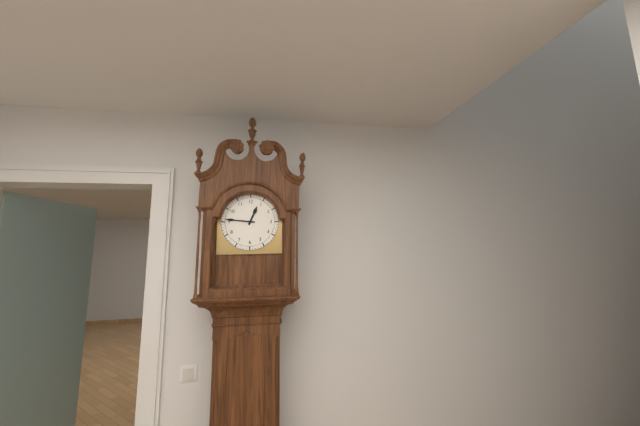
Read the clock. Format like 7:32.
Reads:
12:46
